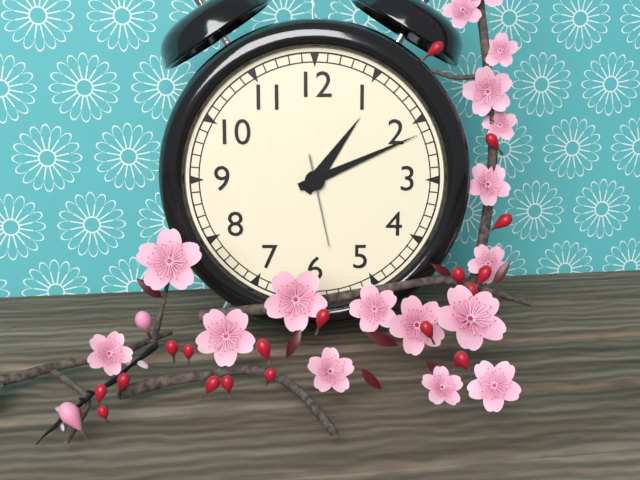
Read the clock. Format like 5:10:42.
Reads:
1:11:28
